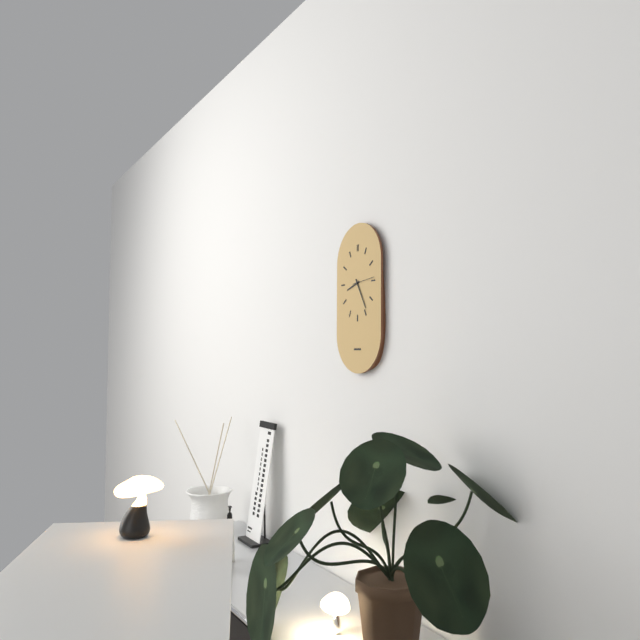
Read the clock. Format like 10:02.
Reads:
8:25
